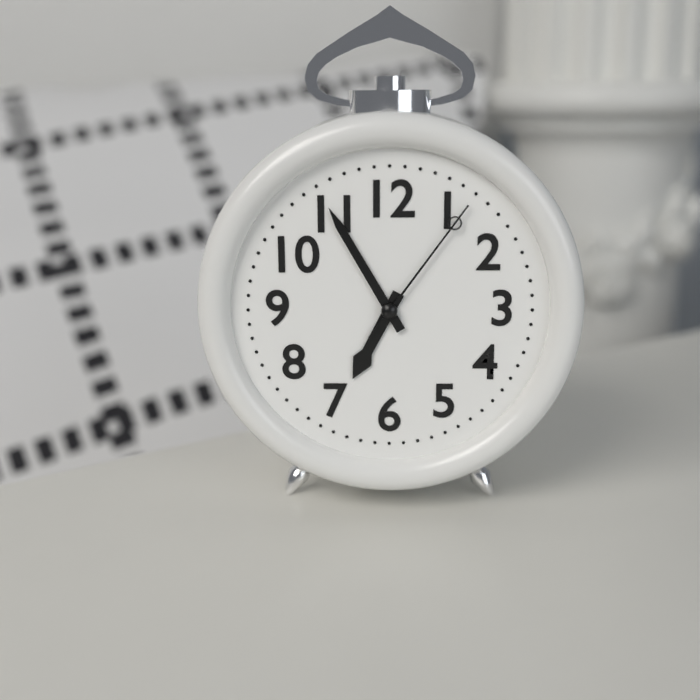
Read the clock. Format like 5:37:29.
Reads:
6:55:06
